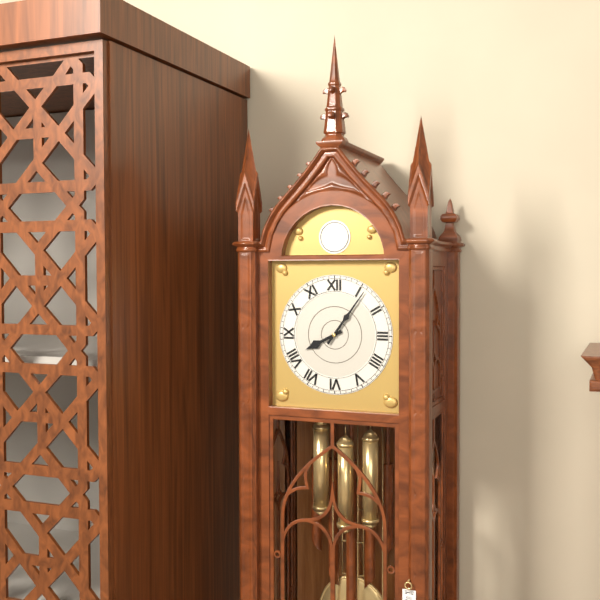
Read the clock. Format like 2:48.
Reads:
8:06
